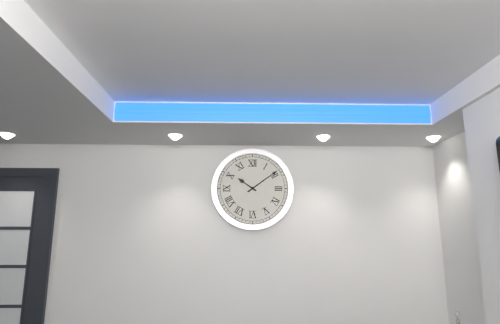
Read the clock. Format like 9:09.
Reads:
10:09
